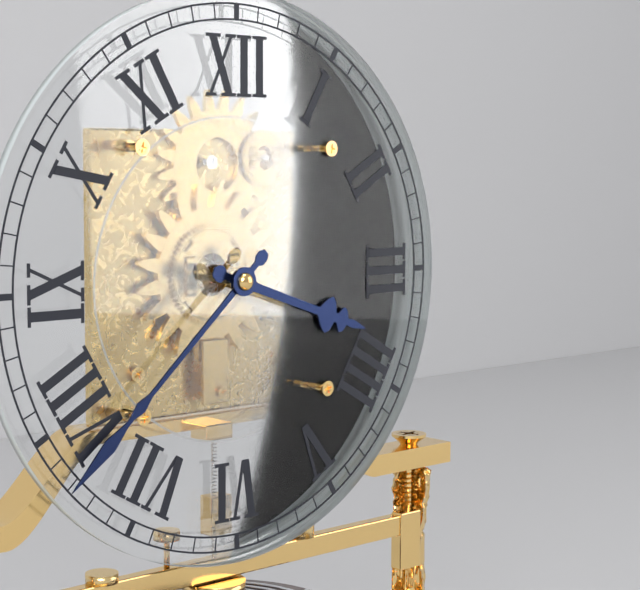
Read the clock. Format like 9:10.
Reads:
3:38
